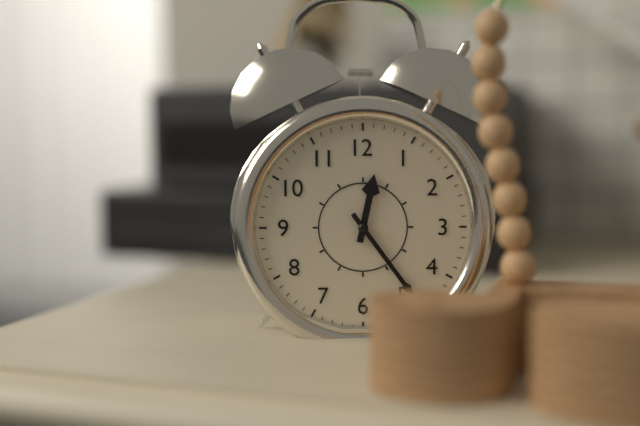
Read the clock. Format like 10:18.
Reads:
12:24
